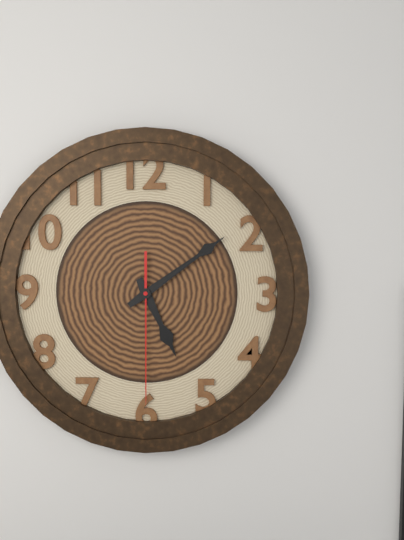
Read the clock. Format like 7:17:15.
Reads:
5:09:30
